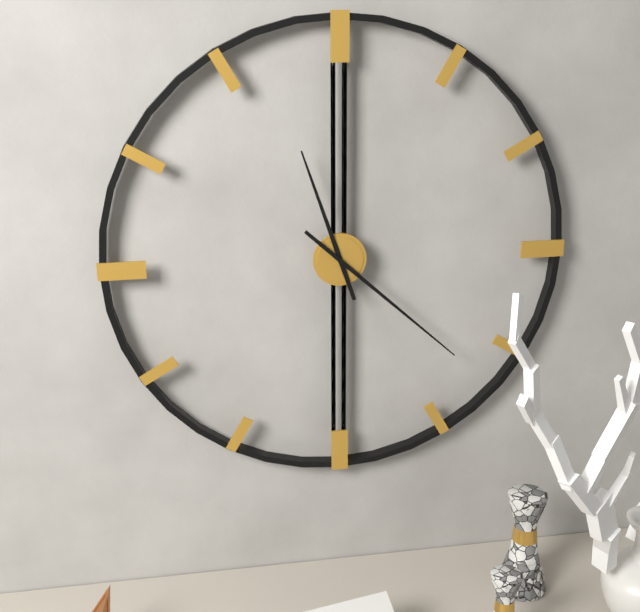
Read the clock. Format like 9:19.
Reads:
11:22
